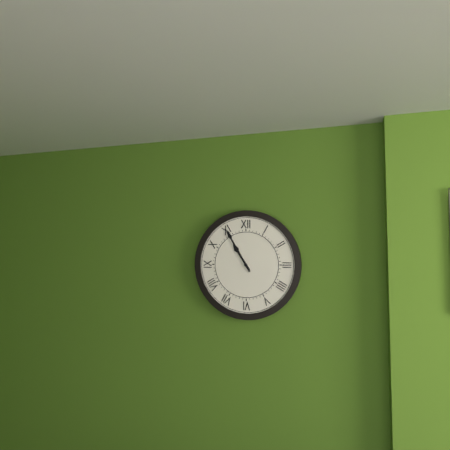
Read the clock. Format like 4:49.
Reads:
10:55
